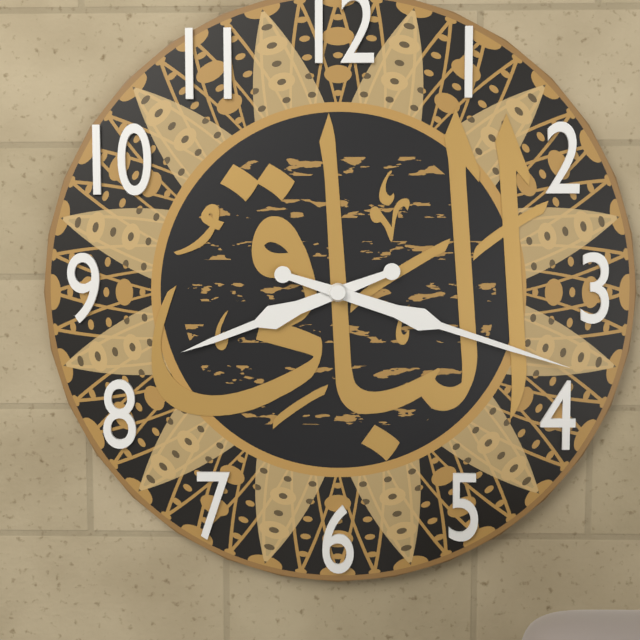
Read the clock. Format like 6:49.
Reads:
8:18
